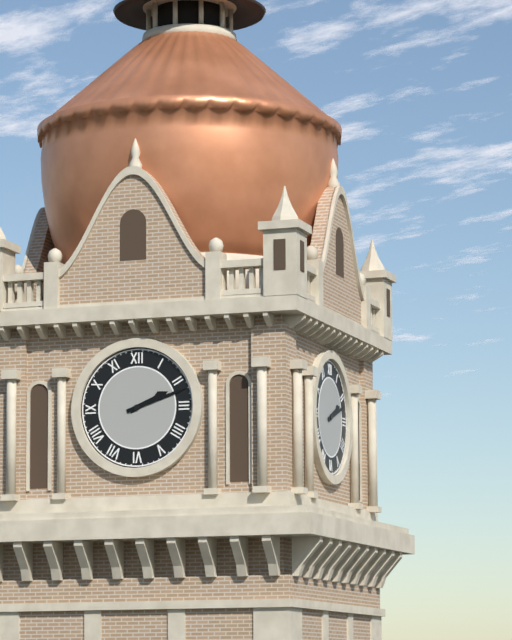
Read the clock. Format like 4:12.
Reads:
2:12
